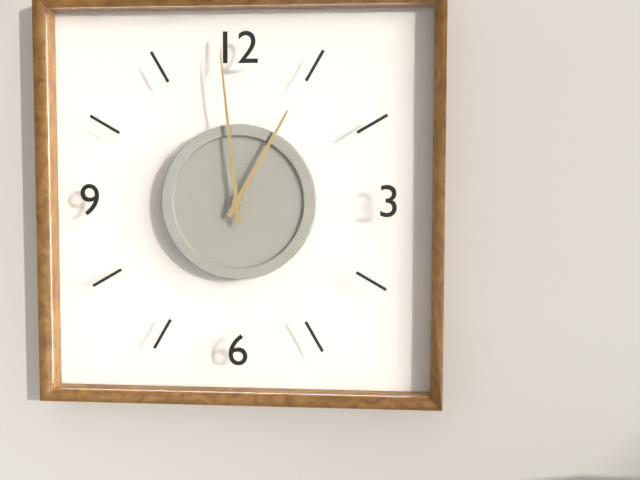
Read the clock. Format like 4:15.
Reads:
12:59
